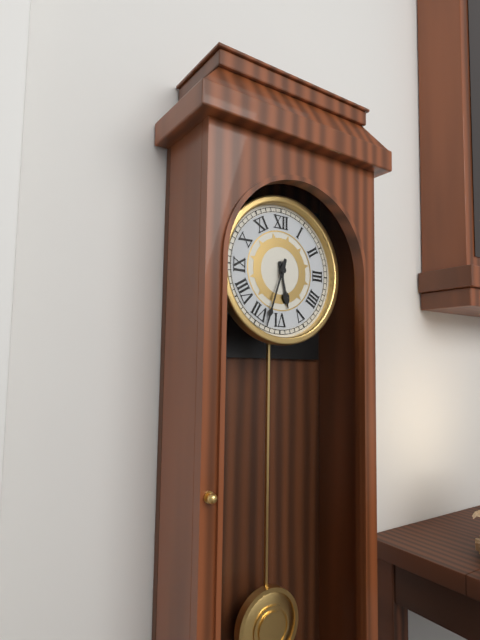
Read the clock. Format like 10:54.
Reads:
5:33
